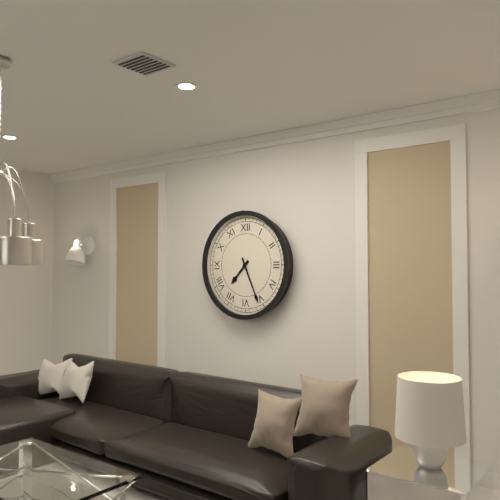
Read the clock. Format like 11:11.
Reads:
7:26
